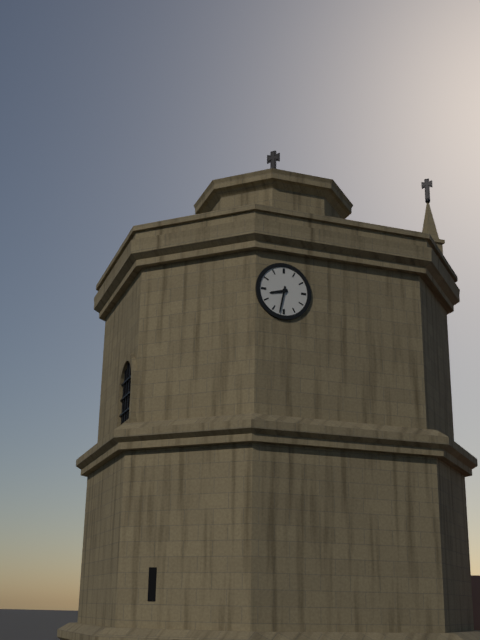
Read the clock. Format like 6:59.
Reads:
8:32
